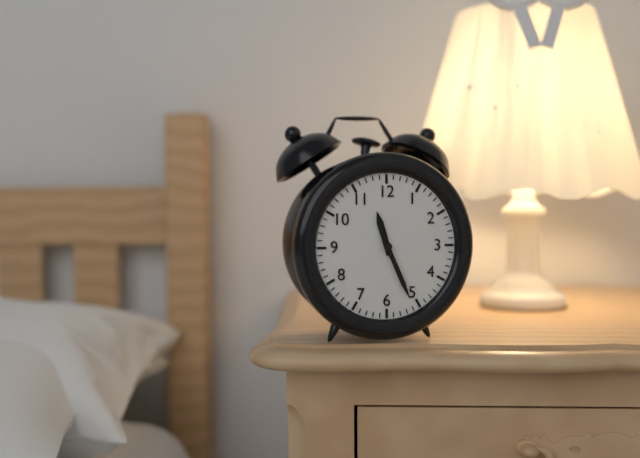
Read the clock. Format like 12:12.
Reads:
11:26
